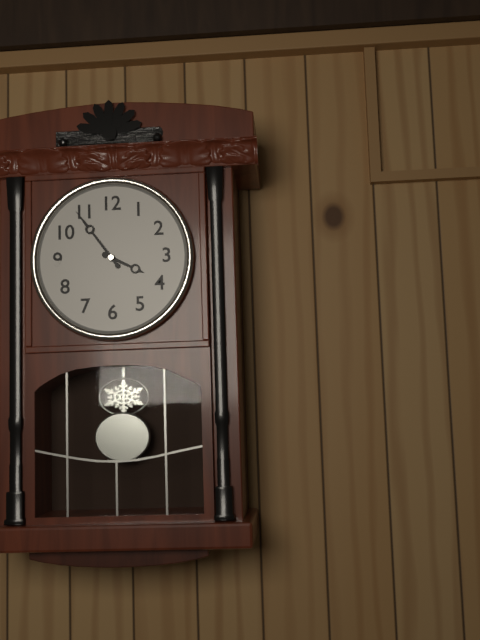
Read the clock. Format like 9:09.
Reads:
3:54
